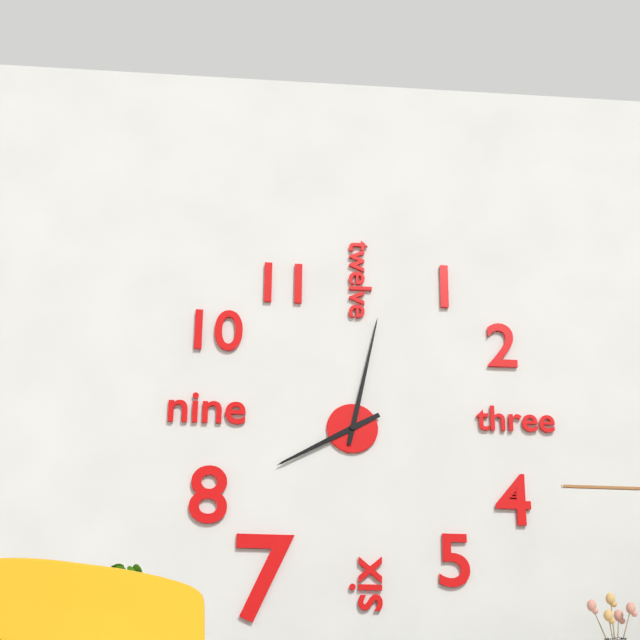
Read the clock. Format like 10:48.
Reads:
8:02
